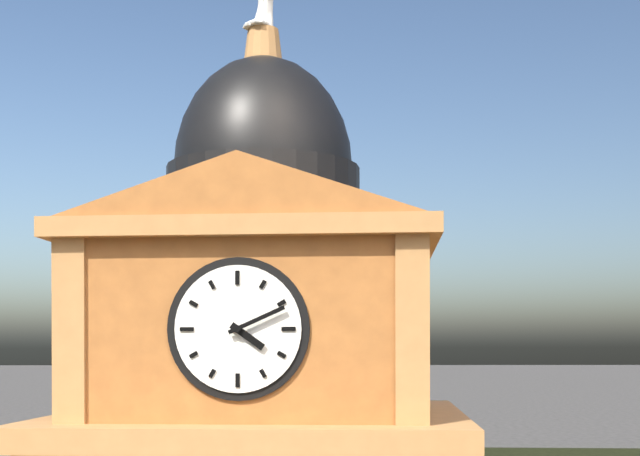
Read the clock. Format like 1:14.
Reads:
4:11
